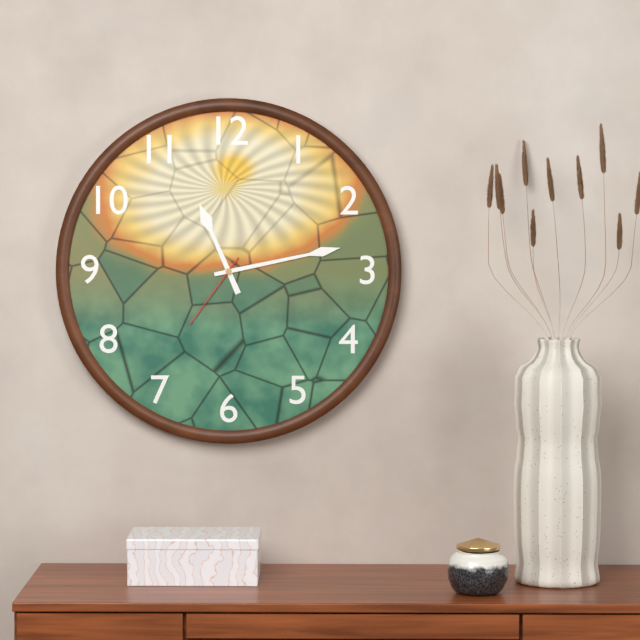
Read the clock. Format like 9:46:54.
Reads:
11:13:36
